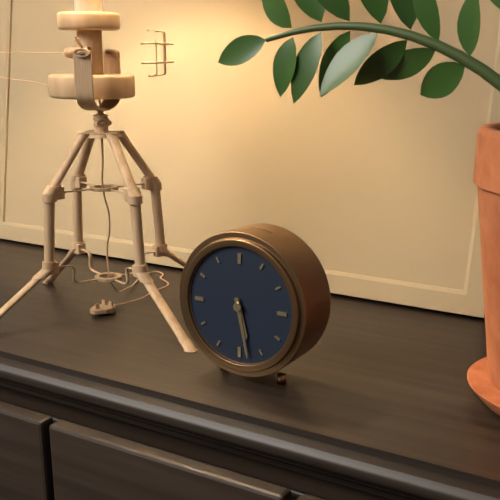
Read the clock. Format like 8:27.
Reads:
5:28
